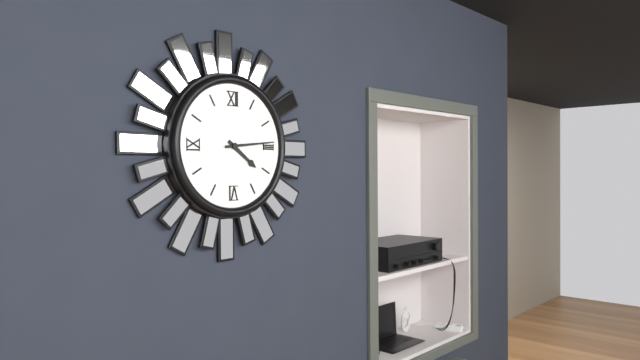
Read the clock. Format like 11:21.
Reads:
4:14
